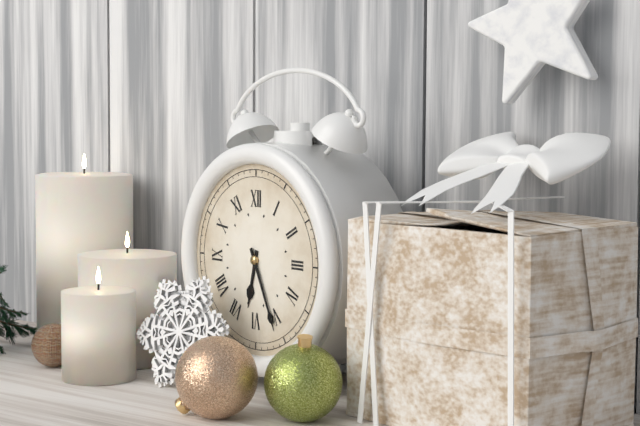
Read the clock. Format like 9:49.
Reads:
6:26
